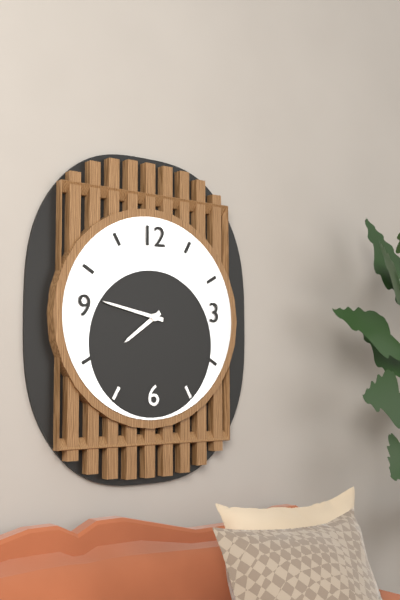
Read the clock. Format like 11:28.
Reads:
7:47
